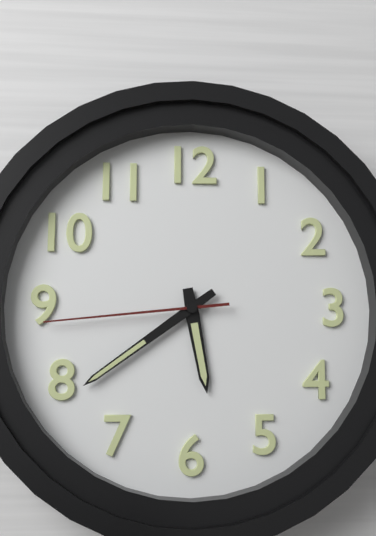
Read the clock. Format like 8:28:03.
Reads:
5:39:44
